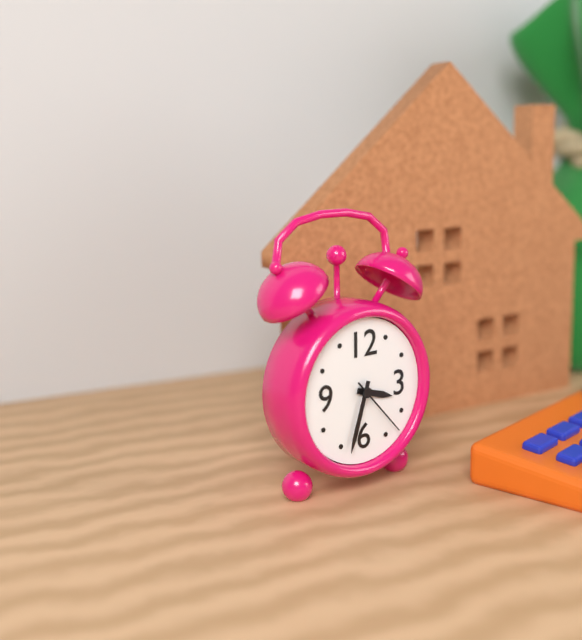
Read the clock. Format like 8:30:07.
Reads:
3:33:23
